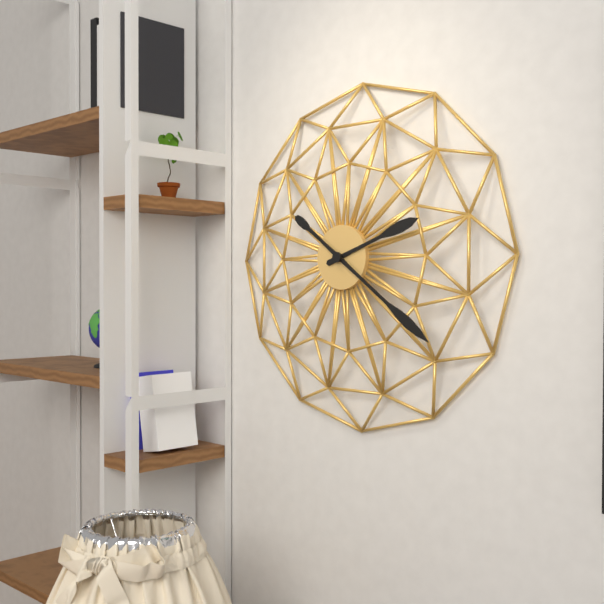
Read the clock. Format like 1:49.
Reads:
2:21
